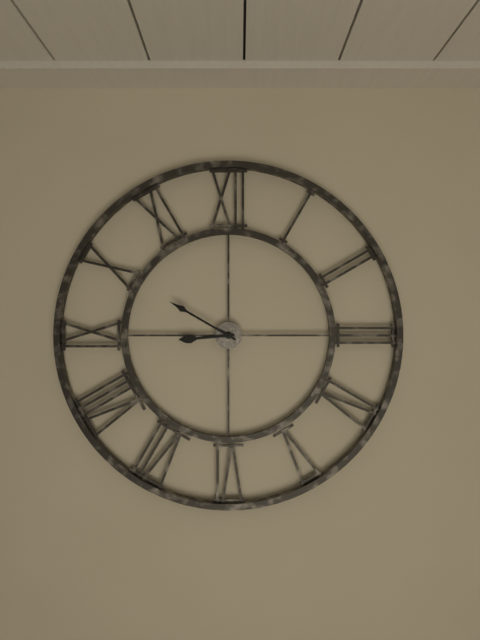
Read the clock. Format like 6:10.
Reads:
8:50
